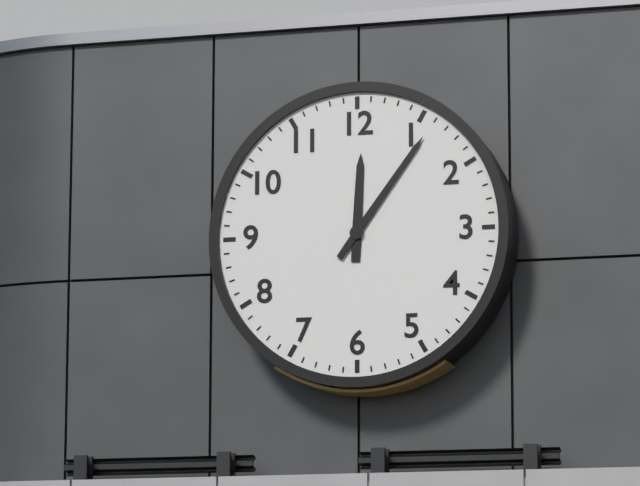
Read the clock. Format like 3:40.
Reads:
12:06
